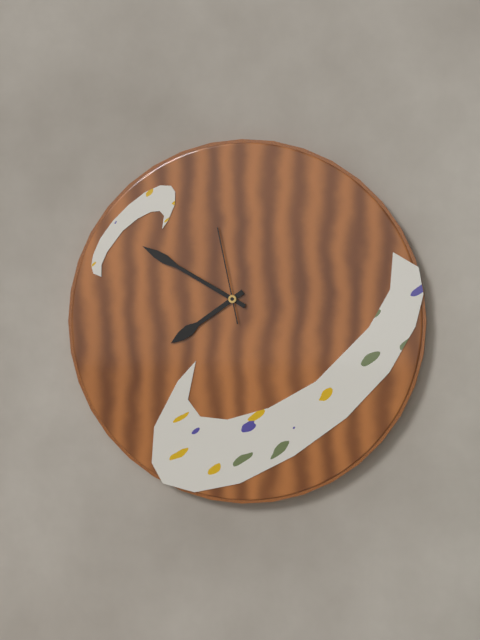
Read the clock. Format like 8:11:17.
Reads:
7:50:58
